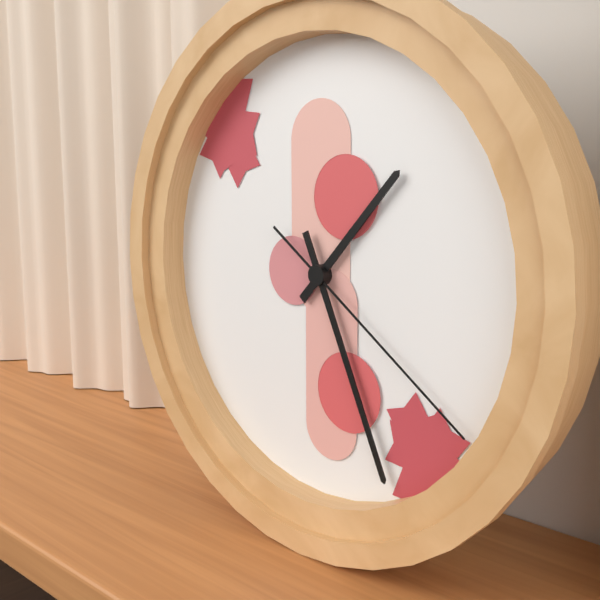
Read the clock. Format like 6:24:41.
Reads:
1:26:21
